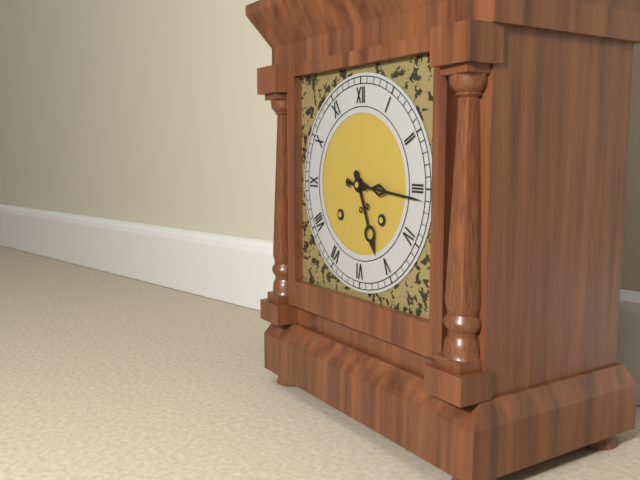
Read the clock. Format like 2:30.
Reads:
5:16
